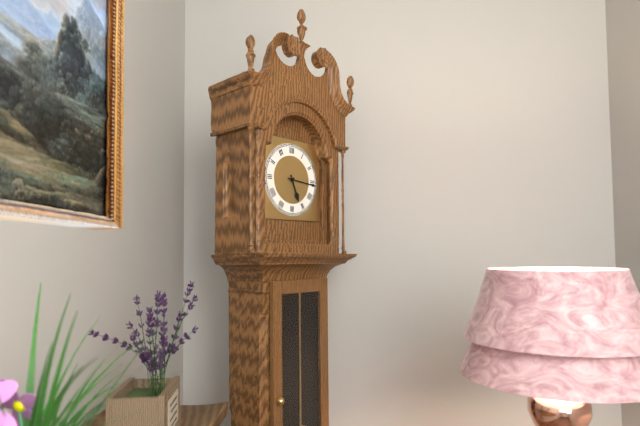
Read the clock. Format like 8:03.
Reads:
5:16
